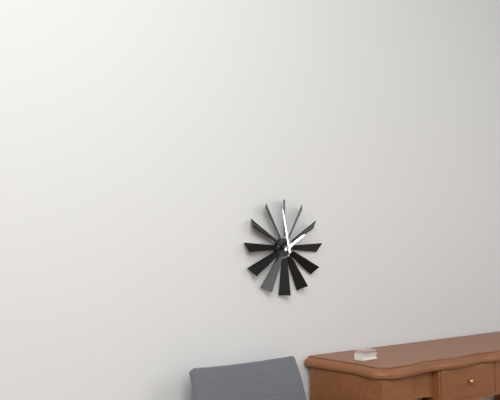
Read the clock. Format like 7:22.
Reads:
1:58
